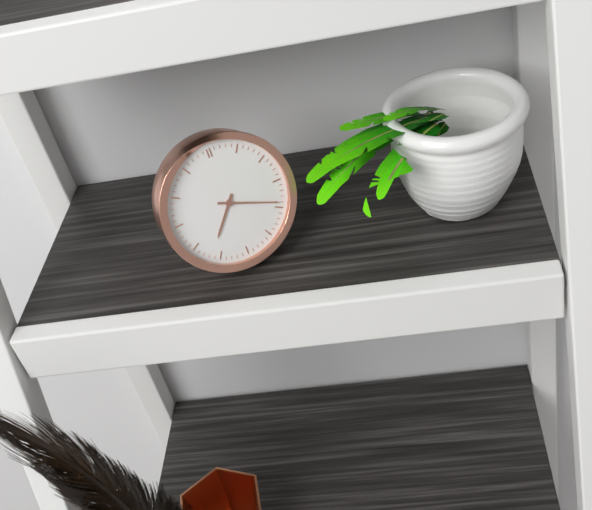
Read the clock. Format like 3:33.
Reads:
7:19
